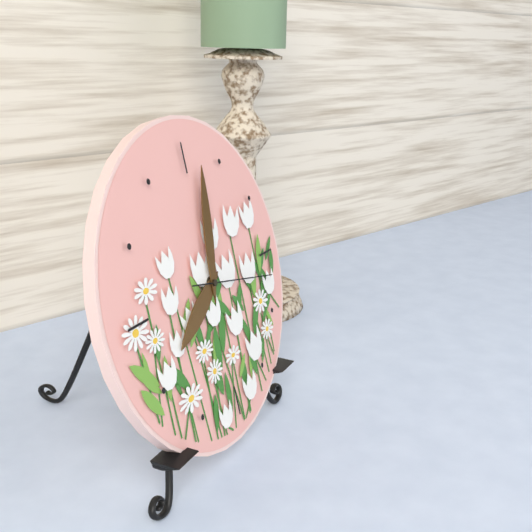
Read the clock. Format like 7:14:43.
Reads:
8:02:17
